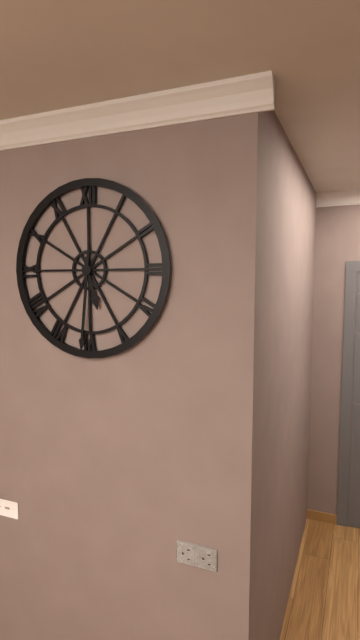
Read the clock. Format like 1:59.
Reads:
5:31
